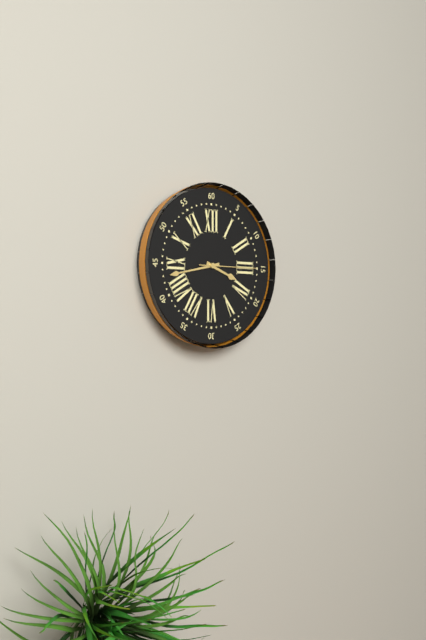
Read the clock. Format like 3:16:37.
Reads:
3:43:15
